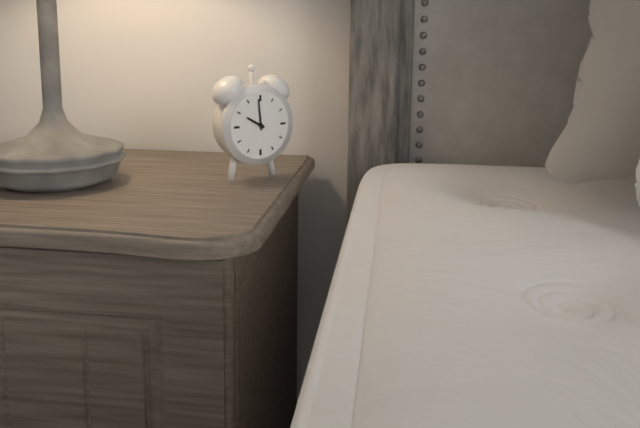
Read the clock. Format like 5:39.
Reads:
9:59
